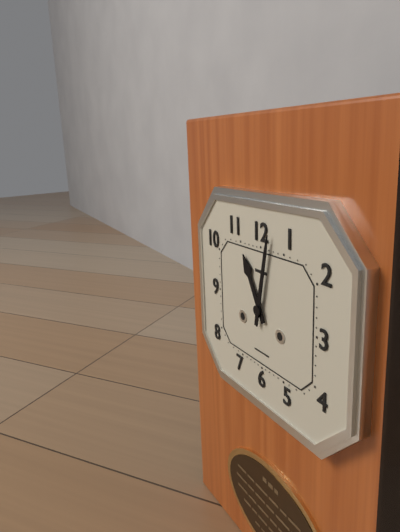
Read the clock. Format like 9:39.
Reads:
11:02
